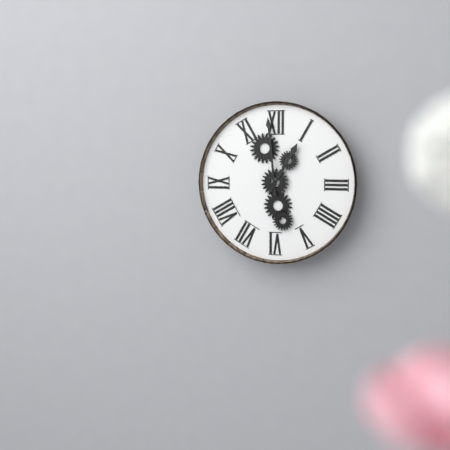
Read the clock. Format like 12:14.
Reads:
12:59
